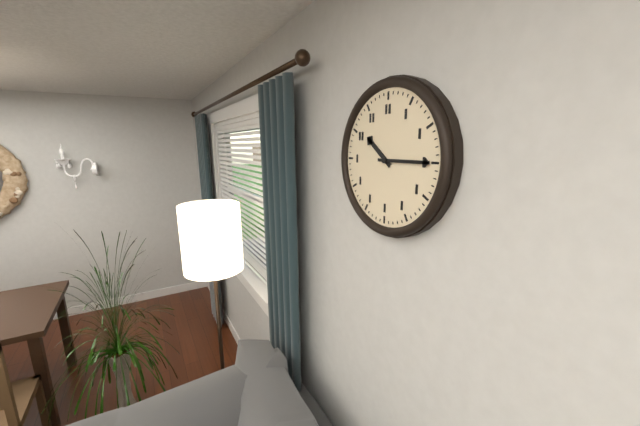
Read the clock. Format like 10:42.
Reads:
10:15
